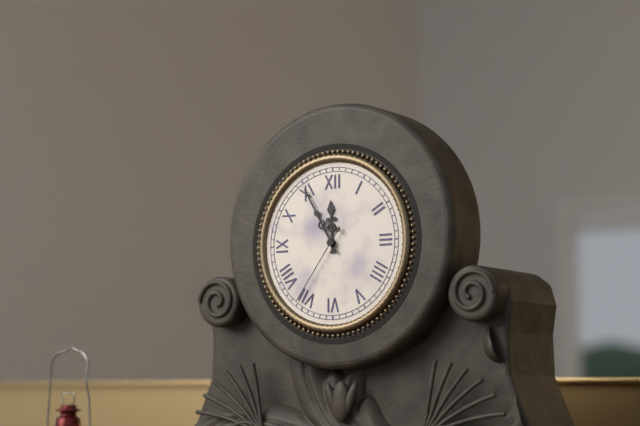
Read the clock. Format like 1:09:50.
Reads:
11:55:36
